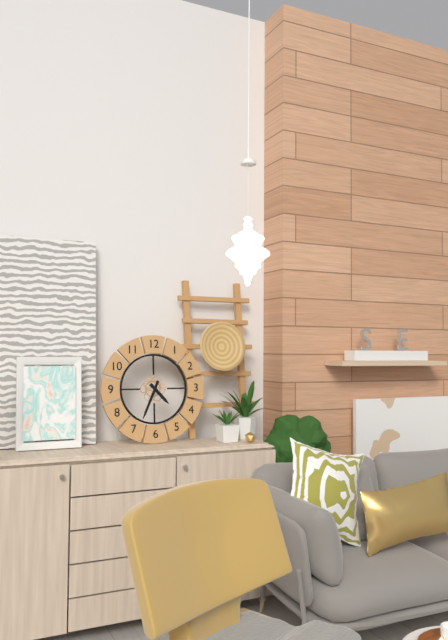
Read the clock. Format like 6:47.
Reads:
4:34
